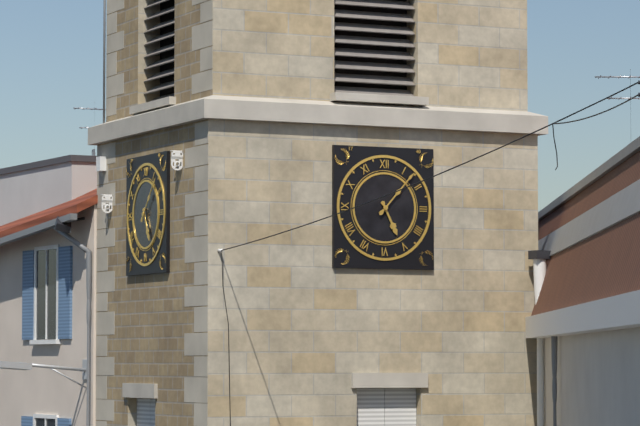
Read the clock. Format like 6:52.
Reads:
5:07
